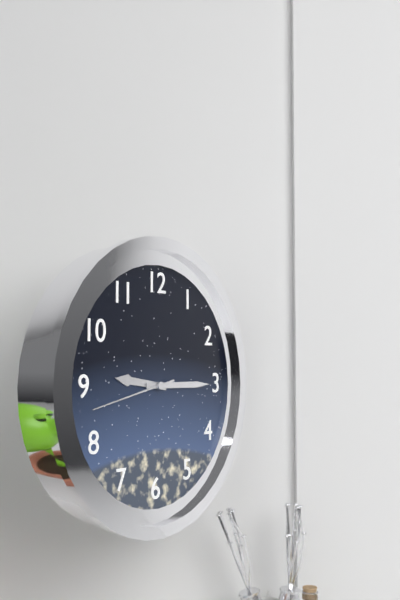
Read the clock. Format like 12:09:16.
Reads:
9:15:43
